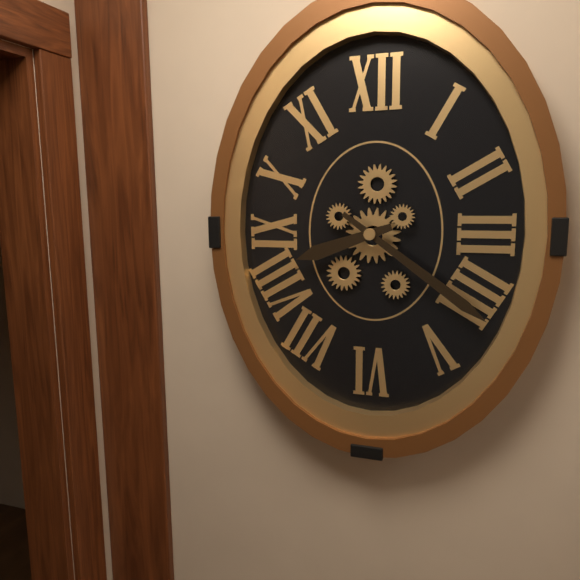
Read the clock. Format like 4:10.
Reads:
8:21
